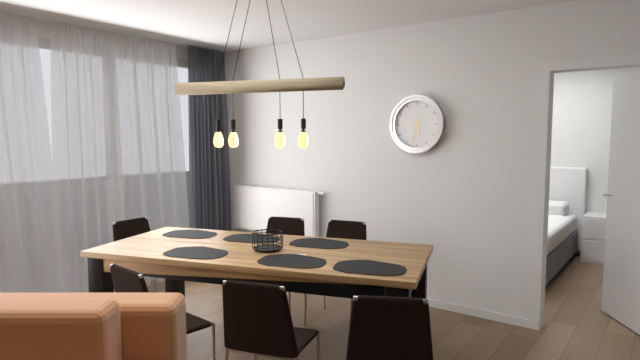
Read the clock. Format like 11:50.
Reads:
5:32
